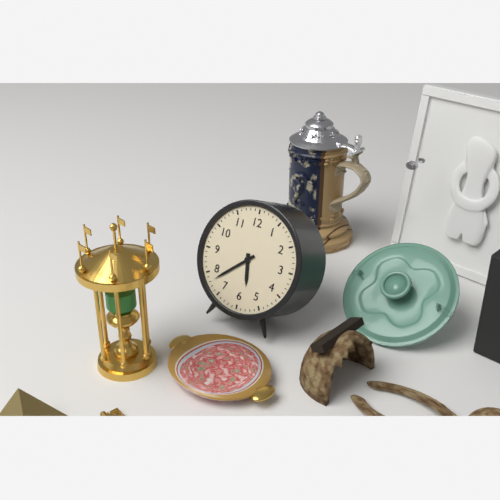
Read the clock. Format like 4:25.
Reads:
5:38
